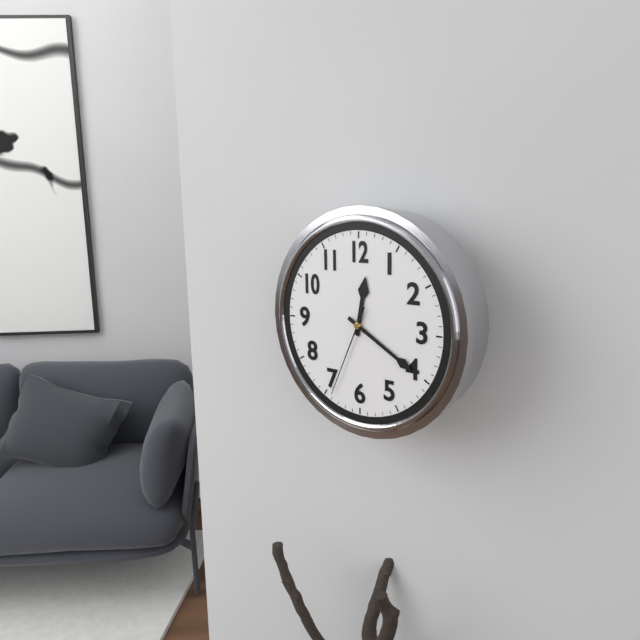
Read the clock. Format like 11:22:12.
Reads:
12:20:34
